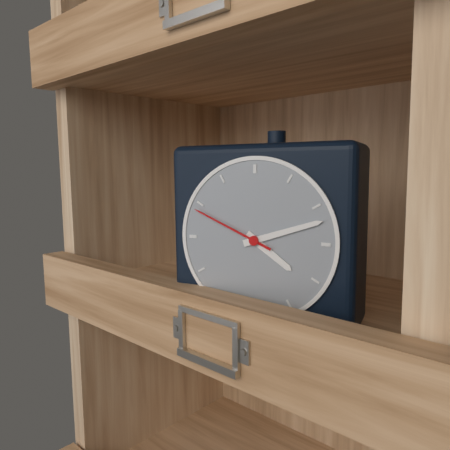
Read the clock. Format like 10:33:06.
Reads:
4:12:49
